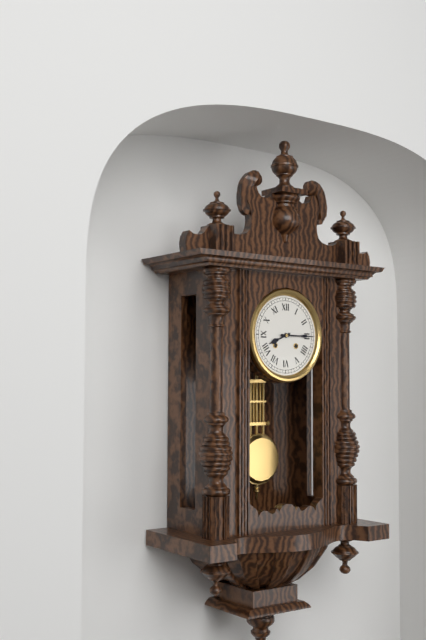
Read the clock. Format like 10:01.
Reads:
8:15
